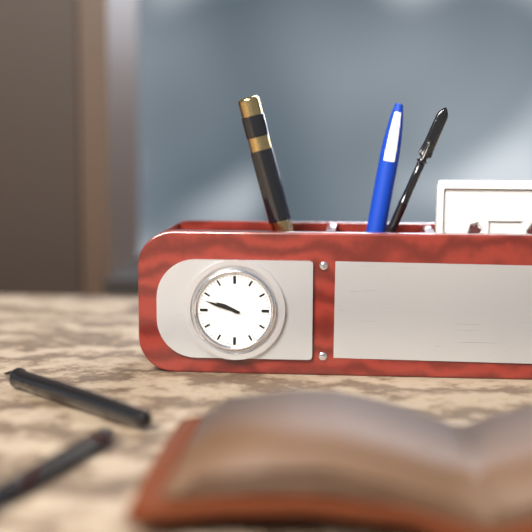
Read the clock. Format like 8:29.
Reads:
9:48
